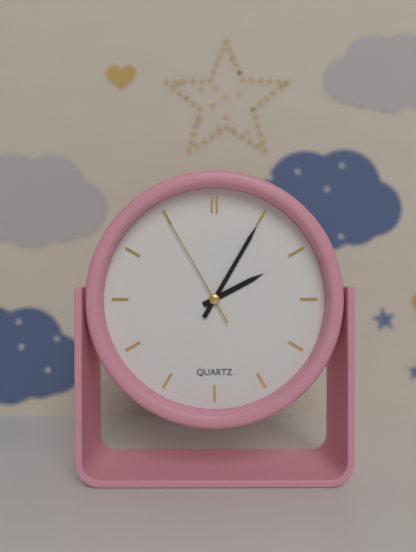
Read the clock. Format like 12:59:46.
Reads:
2:05:55
